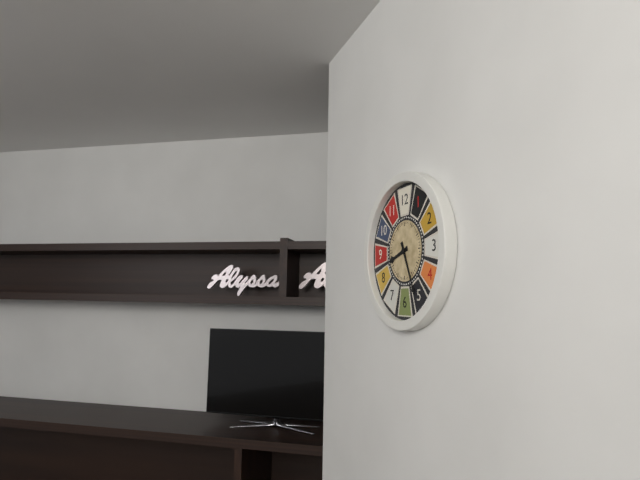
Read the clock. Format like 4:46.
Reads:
8:26
